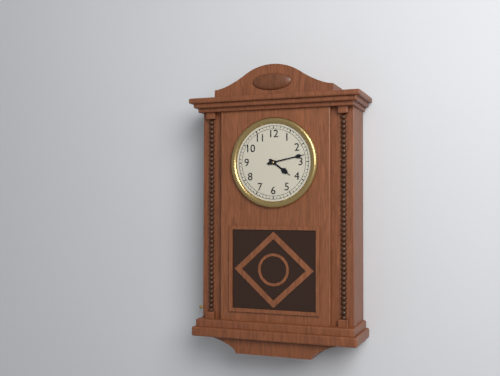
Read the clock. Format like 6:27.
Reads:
4:13
